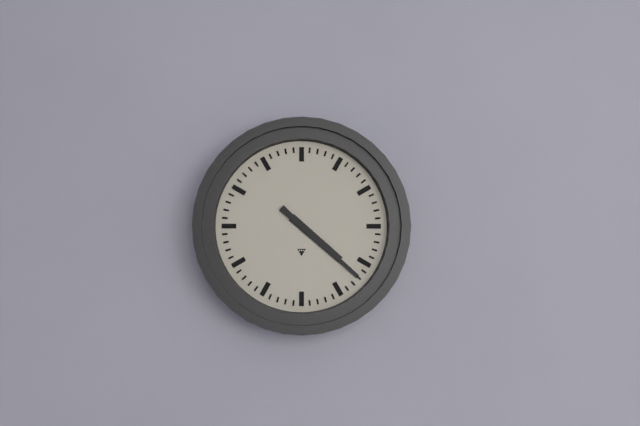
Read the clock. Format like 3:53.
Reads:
4:22
